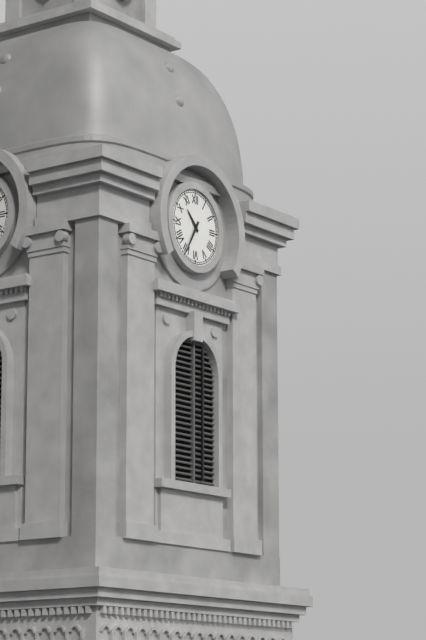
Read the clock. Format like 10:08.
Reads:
10:35
